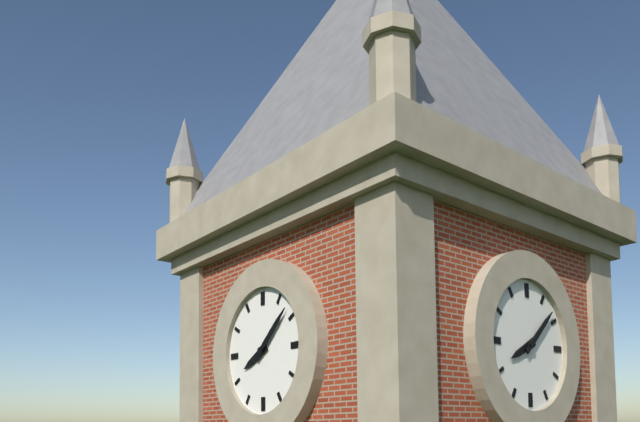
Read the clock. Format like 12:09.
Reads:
8:08
